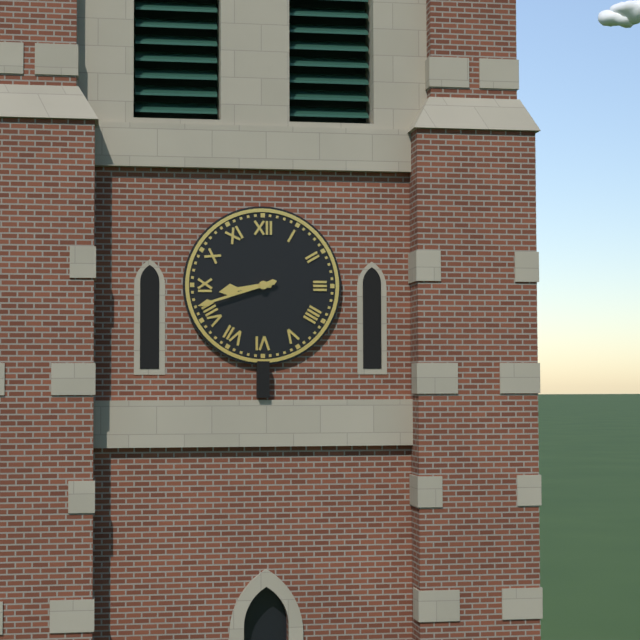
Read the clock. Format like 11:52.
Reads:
8:42
